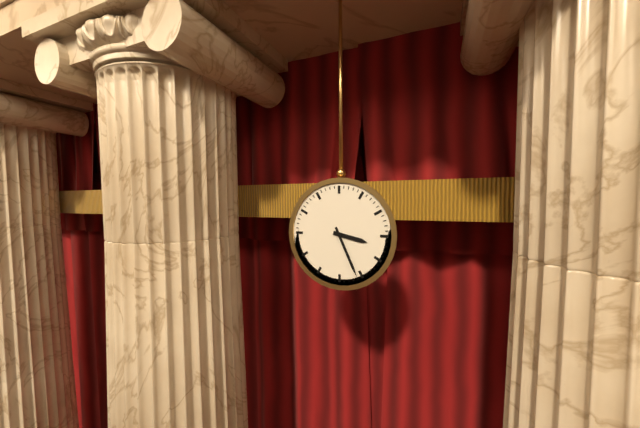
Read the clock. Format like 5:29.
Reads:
3:26
